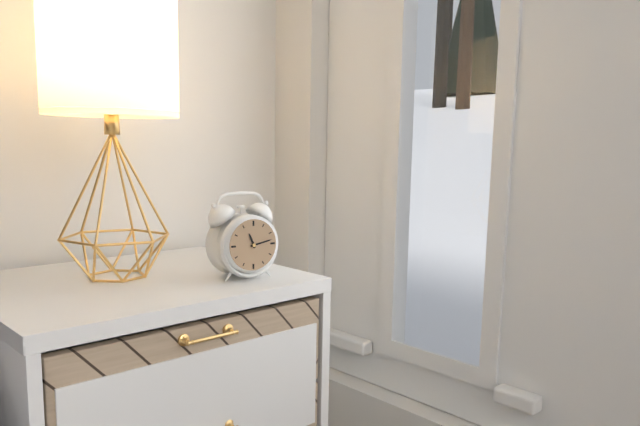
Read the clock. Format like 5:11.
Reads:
11:13
